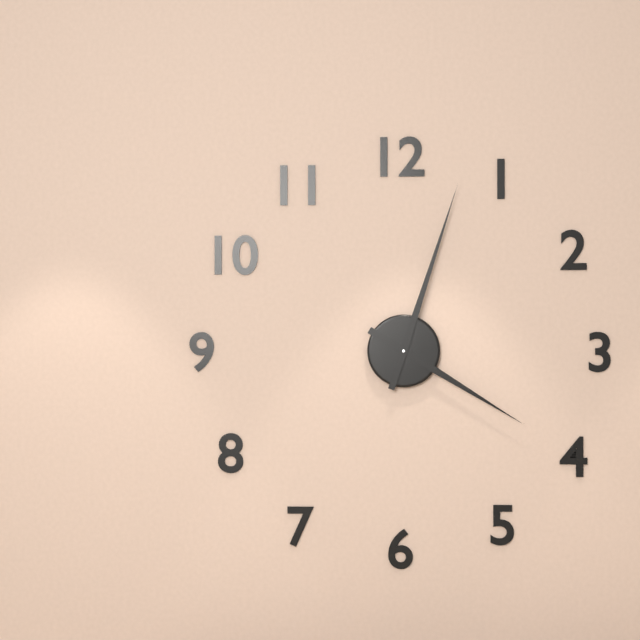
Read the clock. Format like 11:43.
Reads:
4:03
